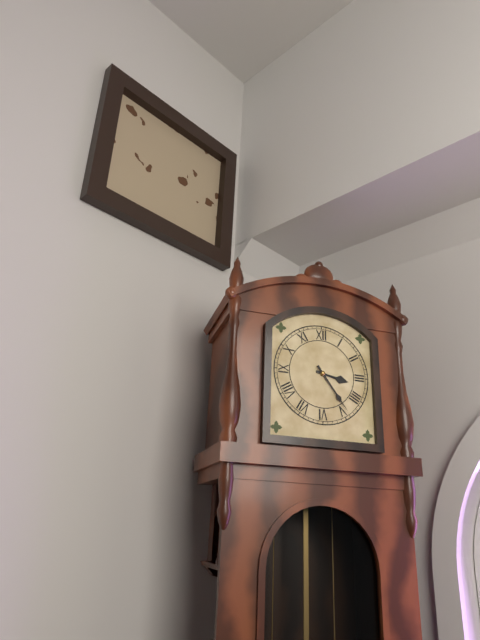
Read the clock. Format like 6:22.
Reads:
3:24
